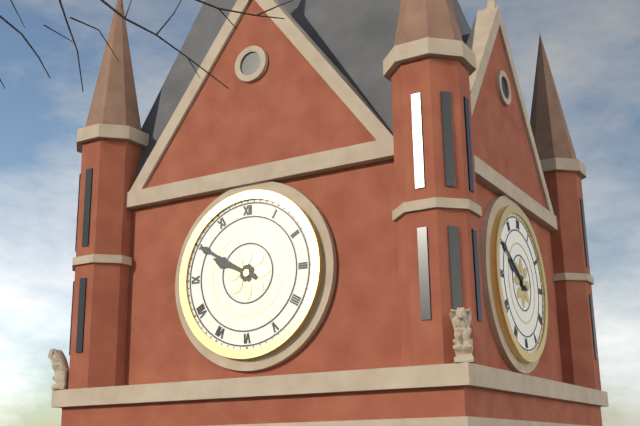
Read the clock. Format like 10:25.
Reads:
9:50
